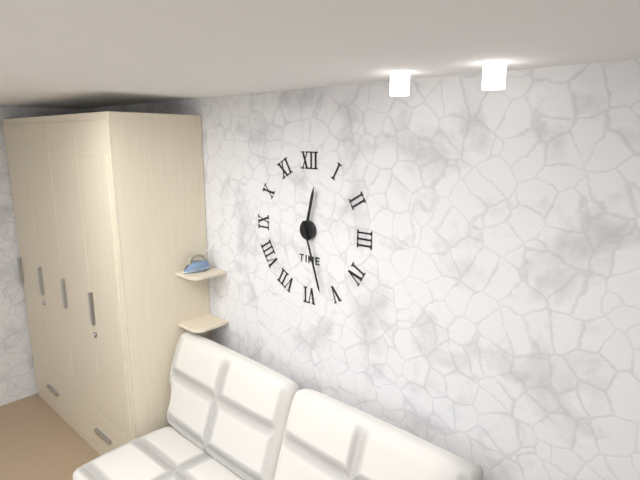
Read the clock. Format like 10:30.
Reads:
12:27
